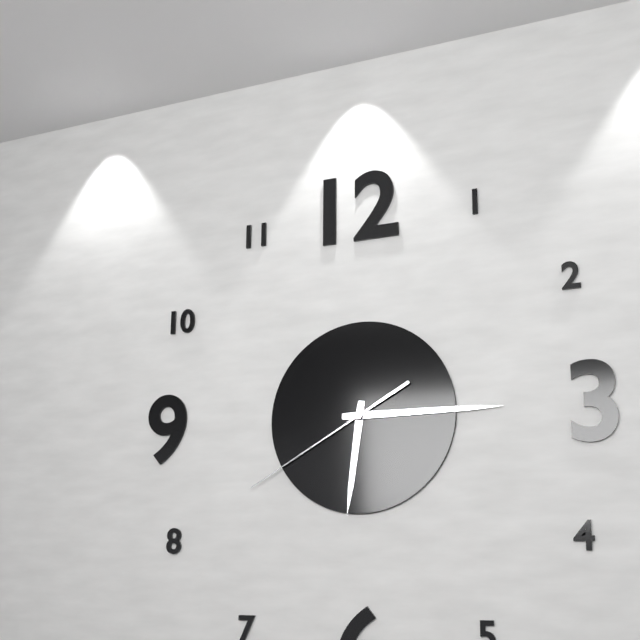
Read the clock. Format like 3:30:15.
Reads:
6:15:40
